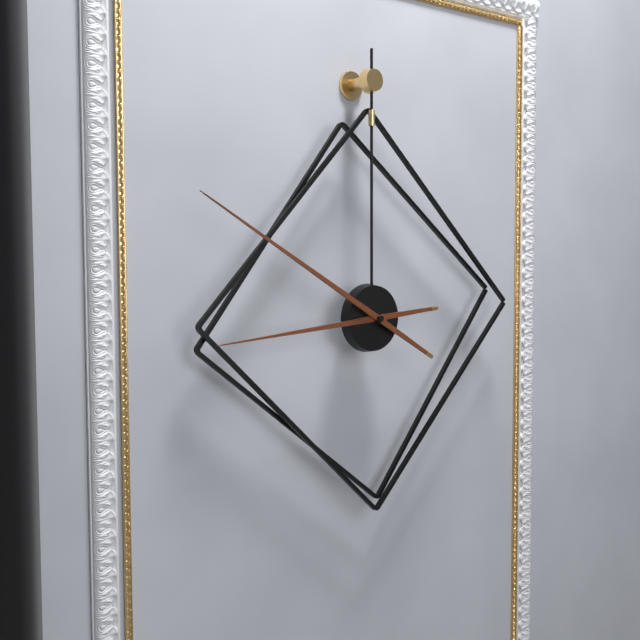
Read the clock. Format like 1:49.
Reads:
8:50
